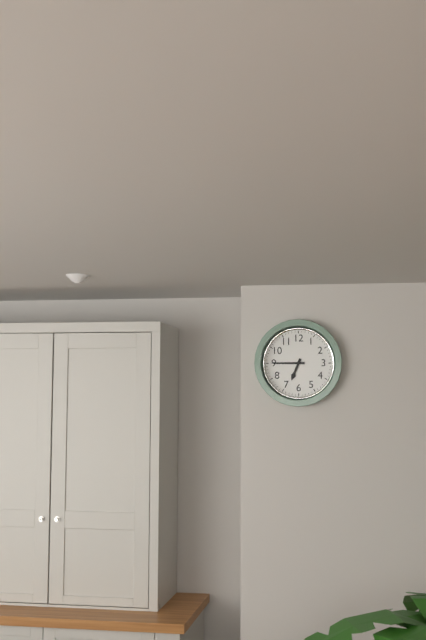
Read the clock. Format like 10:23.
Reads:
6:45
